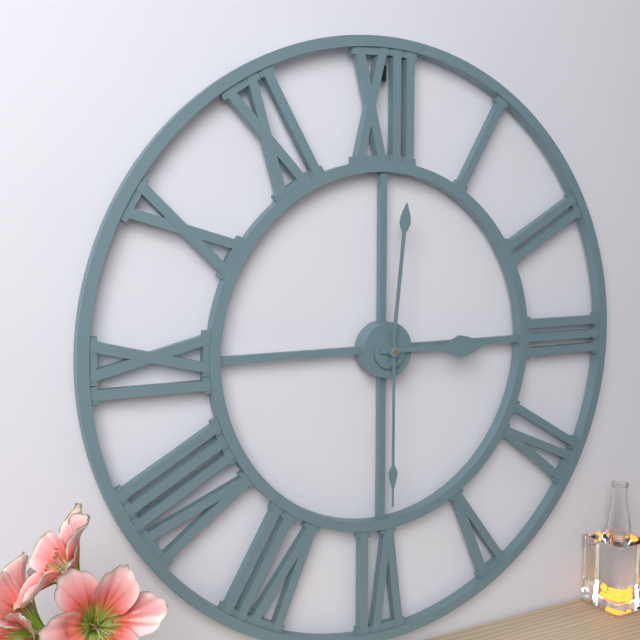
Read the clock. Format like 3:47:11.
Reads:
3:01:30
